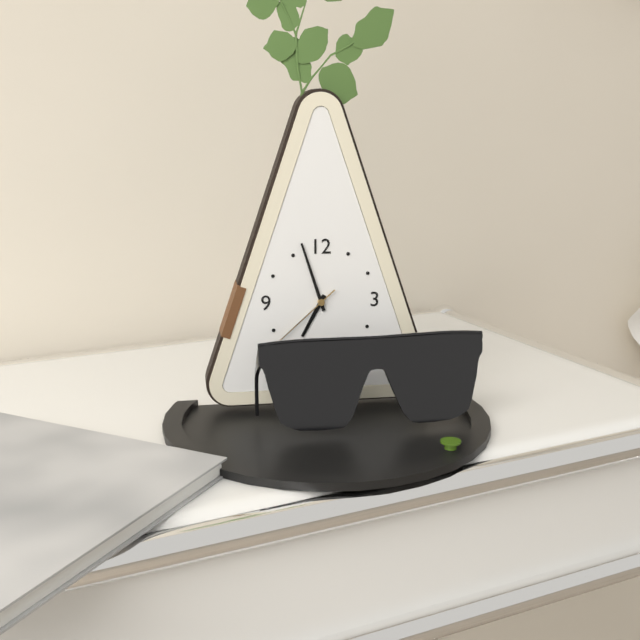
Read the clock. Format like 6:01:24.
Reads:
6:57:38
